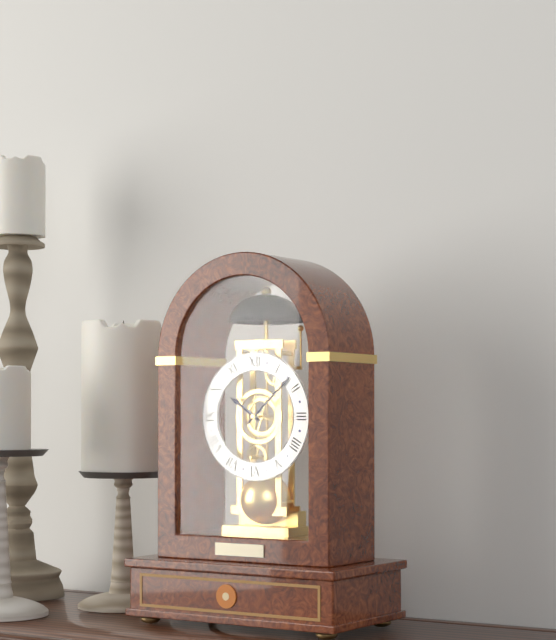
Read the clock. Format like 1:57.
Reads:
10:08
